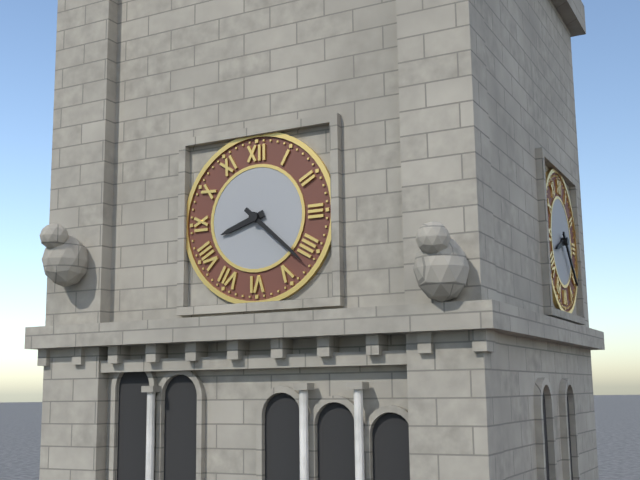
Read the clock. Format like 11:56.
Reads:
8:22
